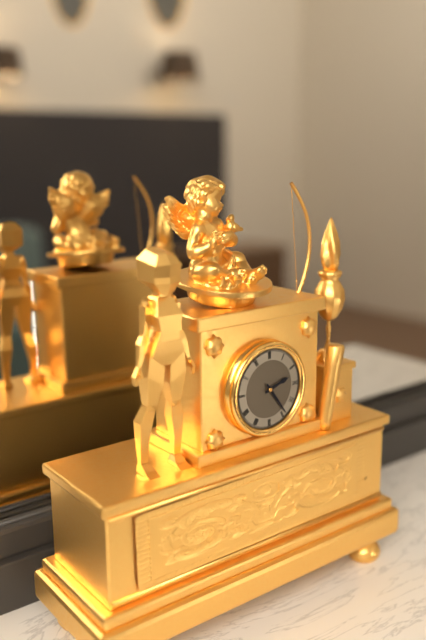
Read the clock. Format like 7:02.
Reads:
2:24
